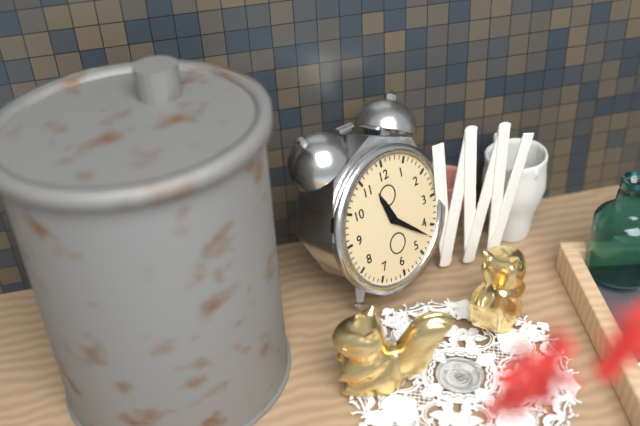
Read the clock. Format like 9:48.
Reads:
11:22
